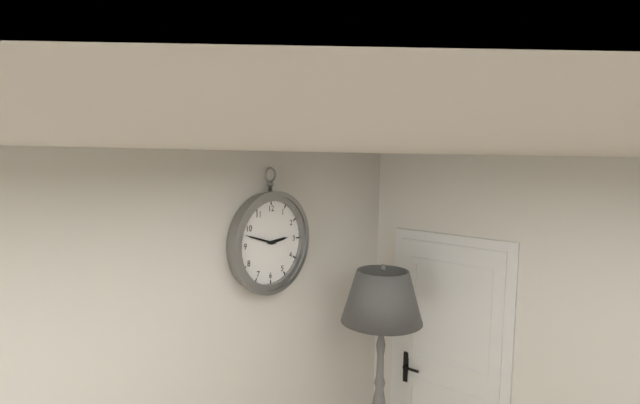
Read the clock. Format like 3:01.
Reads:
2:48
